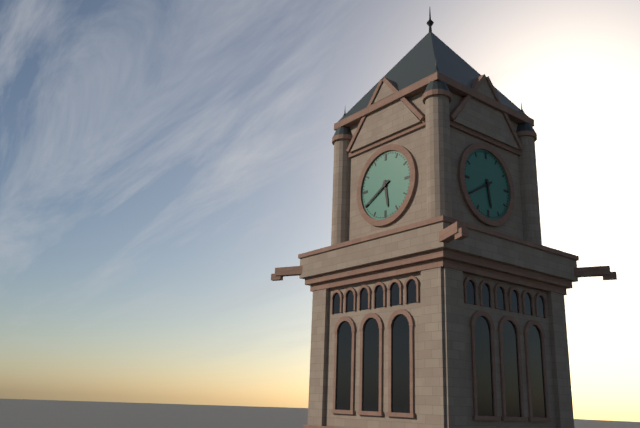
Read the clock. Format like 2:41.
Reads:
5:40
